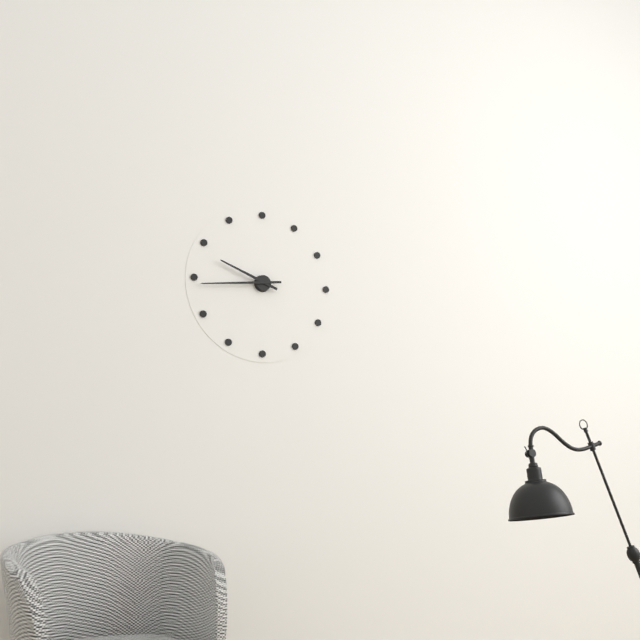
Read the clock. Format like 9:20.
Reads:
9:44
